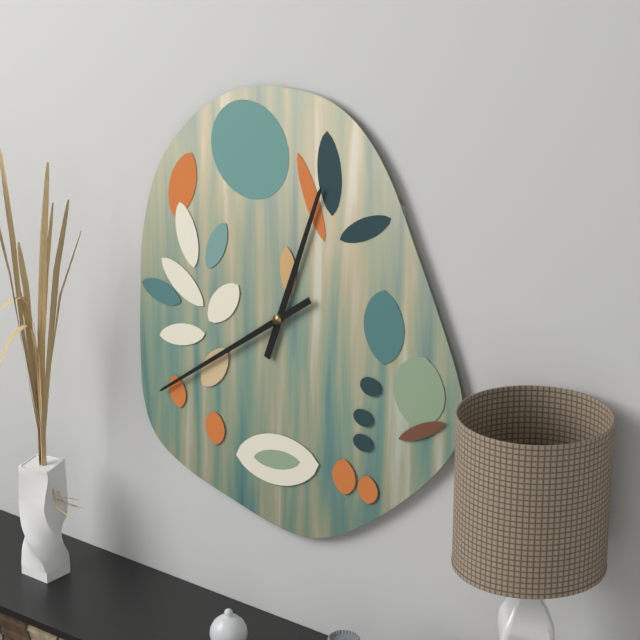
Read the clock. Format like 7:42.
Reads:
12:39
